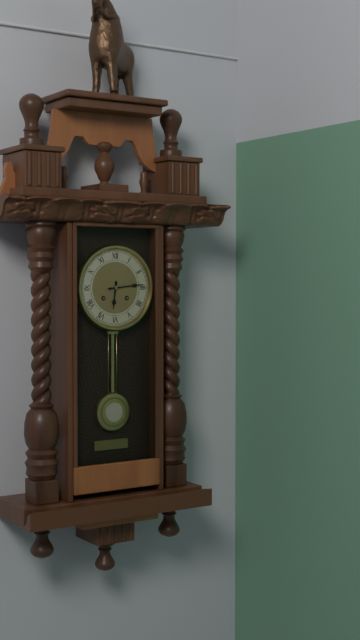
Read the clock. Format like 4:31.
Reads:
6:14
